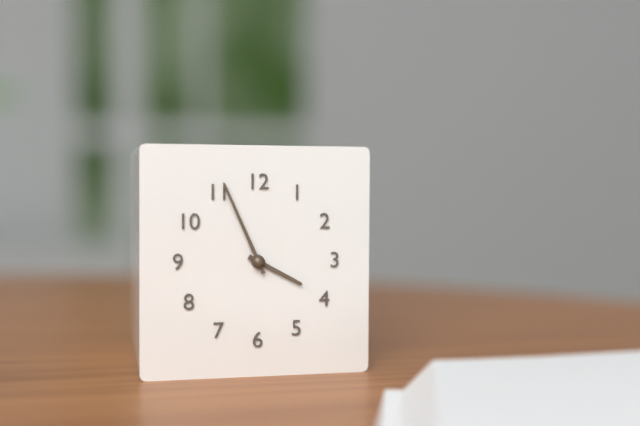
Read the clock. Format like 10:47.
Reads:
3:56
